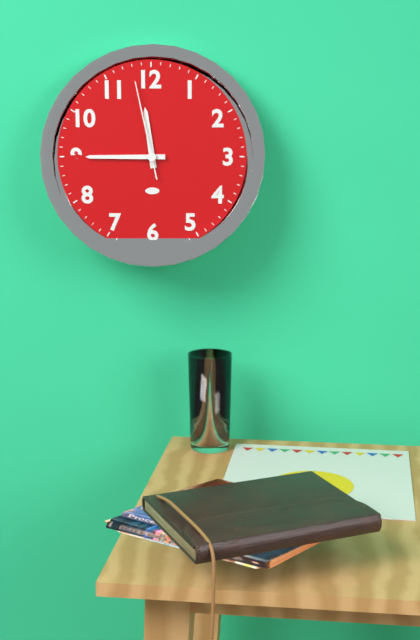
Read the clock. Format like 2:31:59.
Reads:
11:45:58
